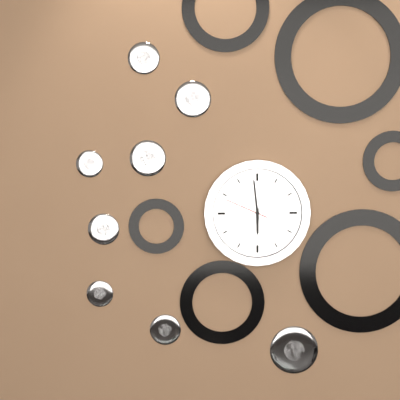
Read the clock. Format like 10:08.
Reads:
5:59
